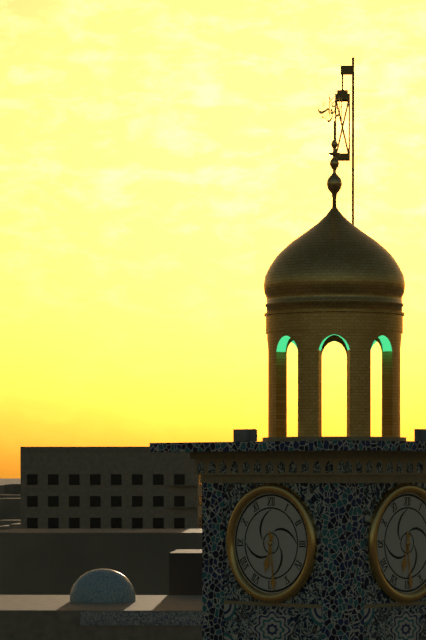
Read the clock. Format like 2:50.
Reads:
6:29
